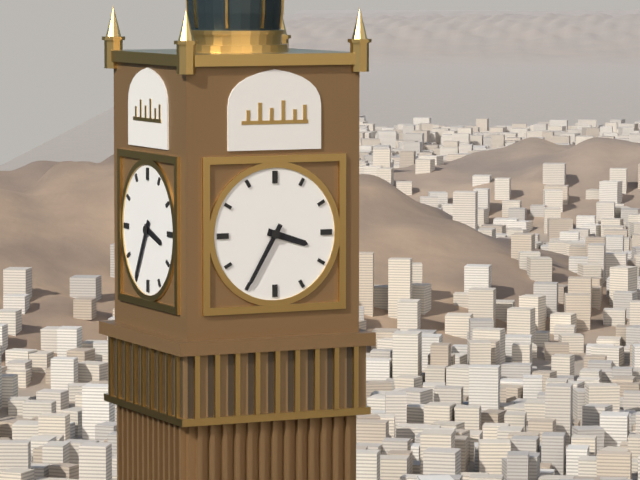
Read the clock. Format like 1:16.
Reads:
3:35
